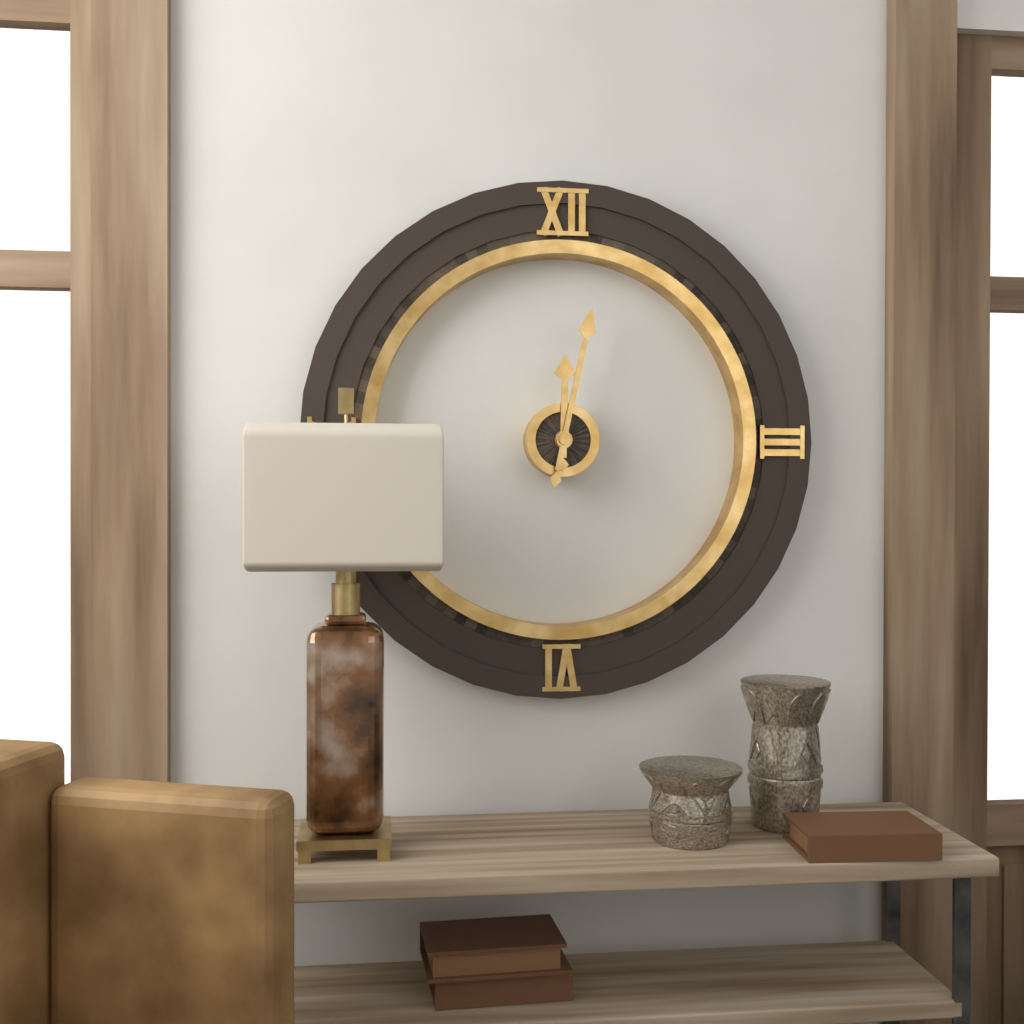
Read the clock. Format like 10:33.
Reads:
12:02
